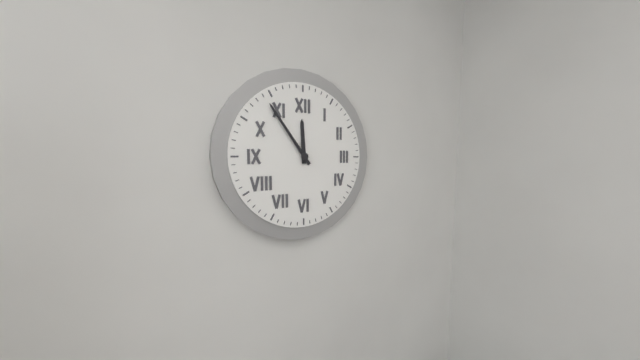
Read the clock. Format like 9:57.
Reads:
11:54
